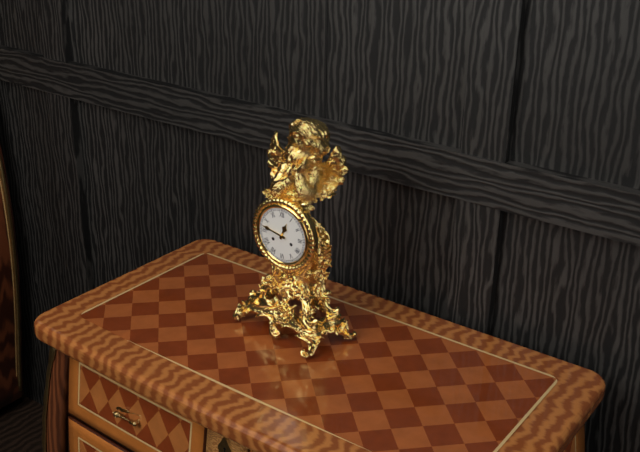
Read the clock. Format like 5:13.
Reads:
12:47
